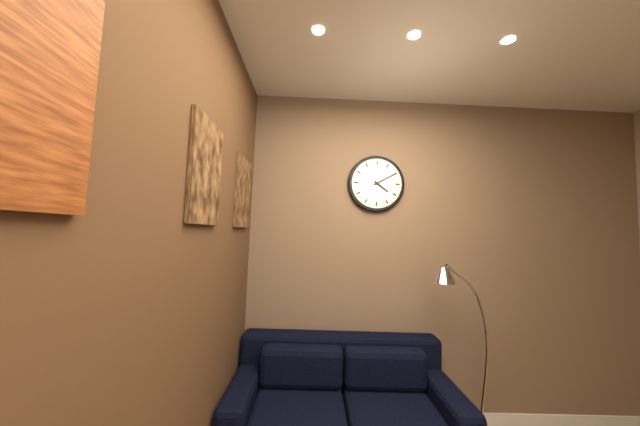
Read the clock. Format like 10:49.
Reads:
4:10
